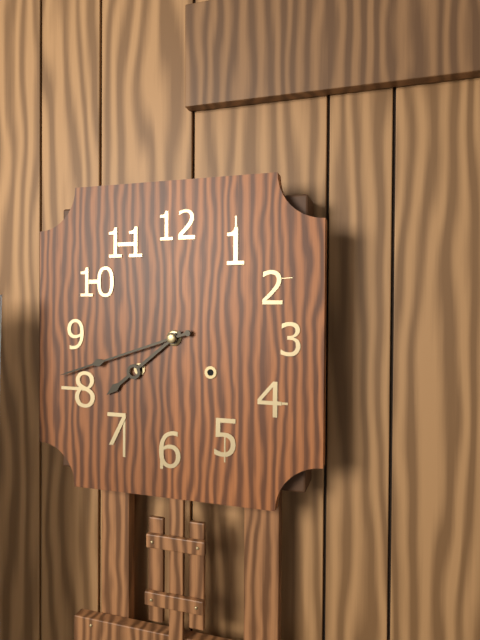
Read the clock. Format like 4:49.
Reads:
7:42
